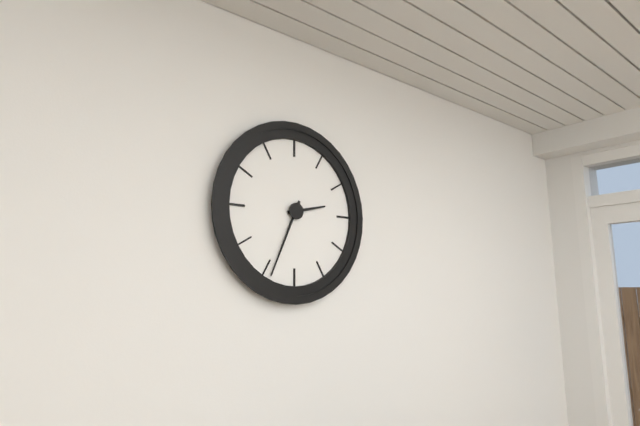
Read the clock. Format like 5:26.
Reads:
2:34
